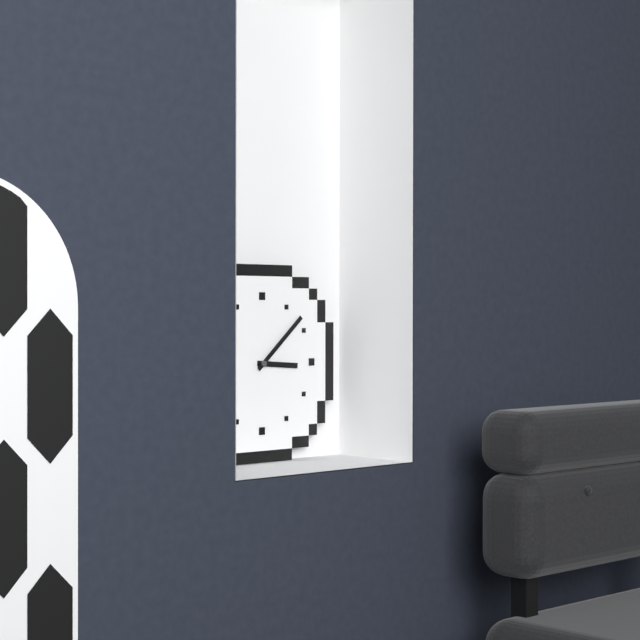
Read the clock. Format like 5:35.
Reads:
3:08
